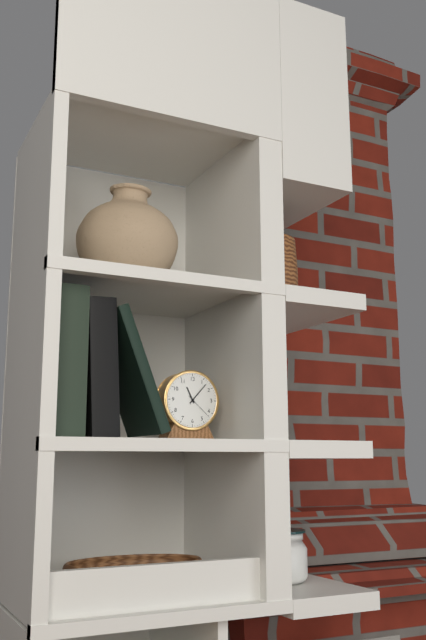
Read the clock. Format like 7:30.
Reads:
11:07
